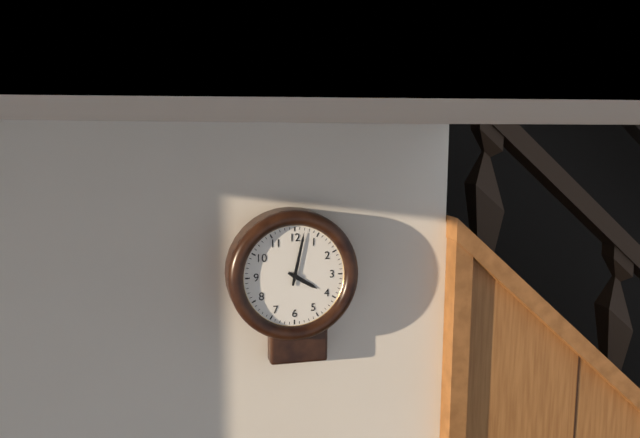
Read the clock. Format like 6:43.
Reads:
4:02
